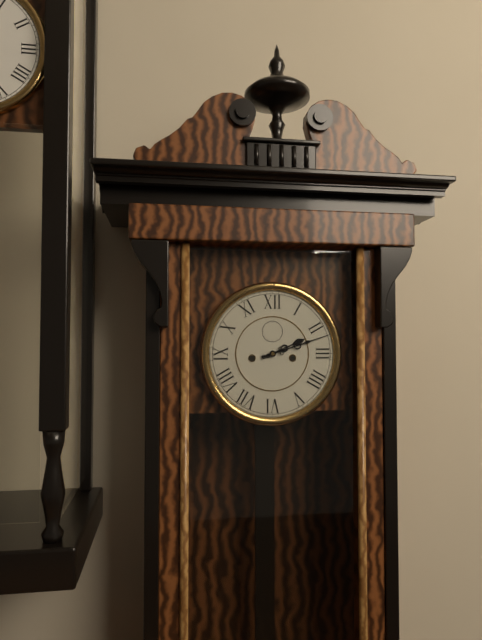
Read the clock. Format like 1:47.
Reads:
2:12
